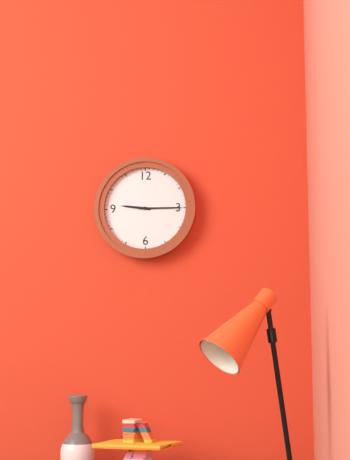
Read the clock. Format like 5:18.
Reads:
9:15
